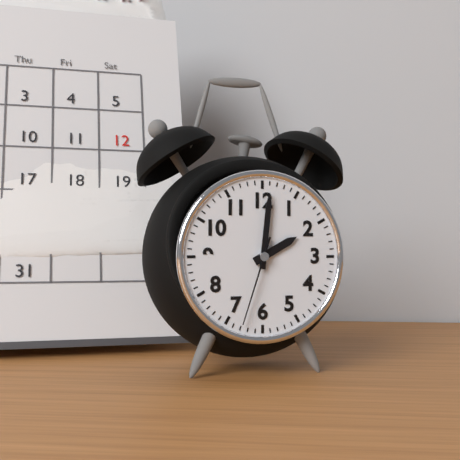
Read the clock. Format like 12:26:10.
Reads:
2:01:33
